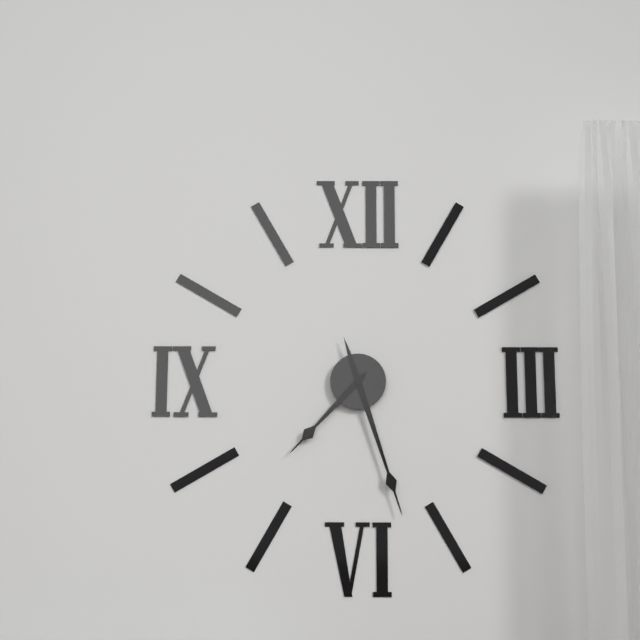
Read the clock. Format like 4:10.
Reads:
7:27
